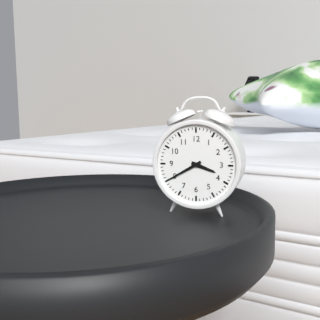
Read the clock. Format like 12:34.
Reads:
3:40
